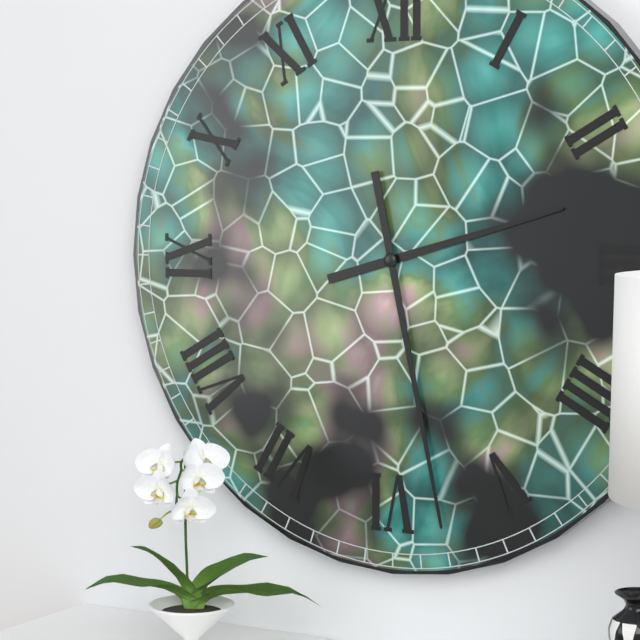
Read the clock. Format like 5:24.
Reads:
2:28
